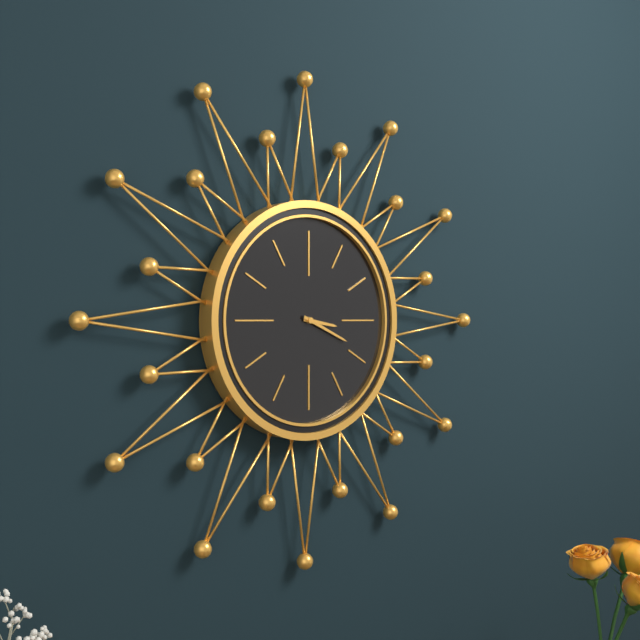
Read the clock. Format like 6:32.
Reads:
3:19
